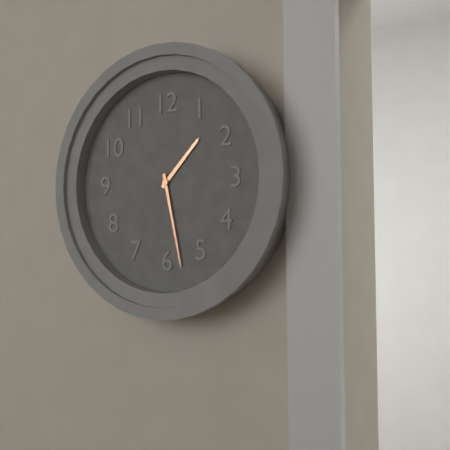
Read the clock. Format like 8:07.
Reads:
1:28
